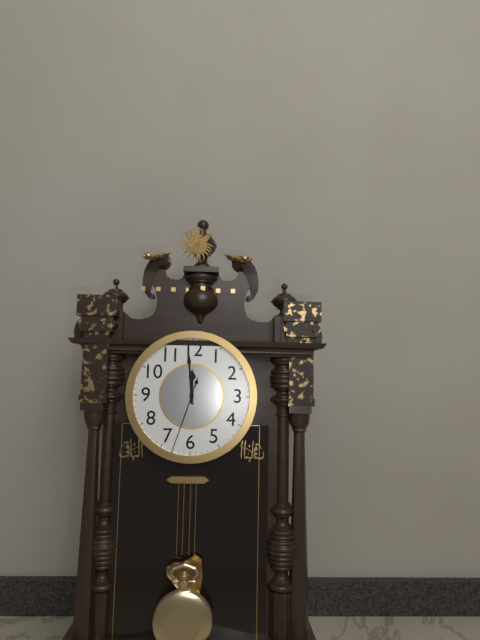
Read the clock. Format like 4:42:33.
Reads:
11:59:33
